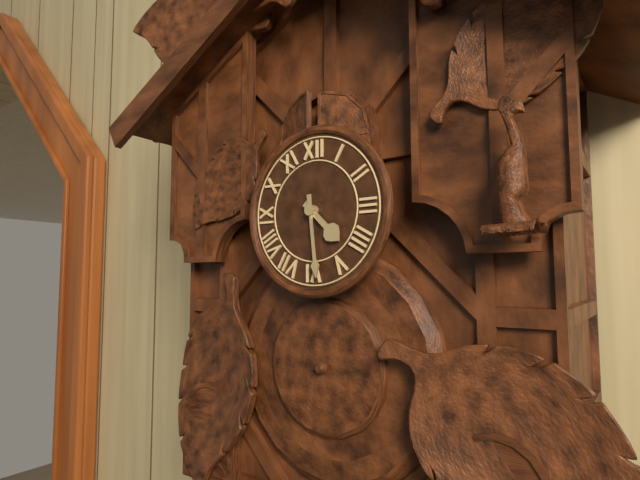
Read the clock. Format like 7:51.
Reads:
4:29
